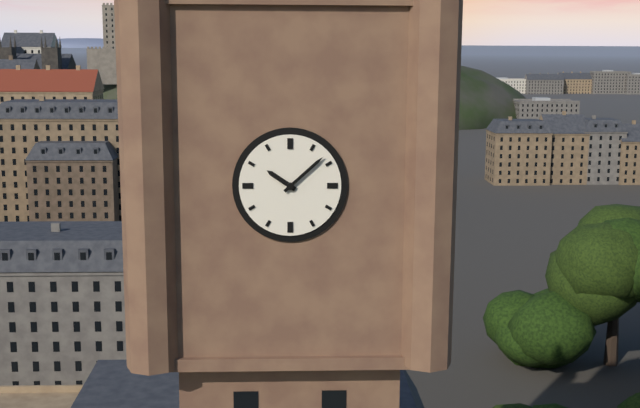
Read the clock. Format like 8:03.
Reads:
10:08
